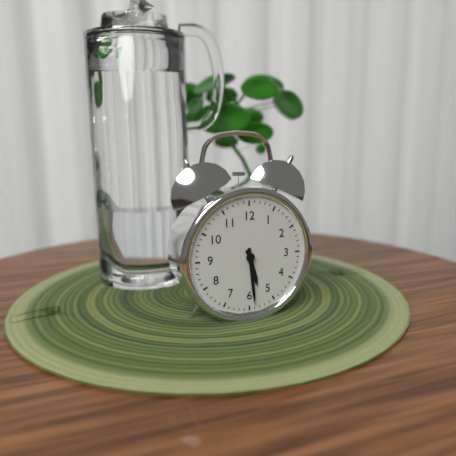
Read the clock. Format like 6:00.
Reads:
5:29
